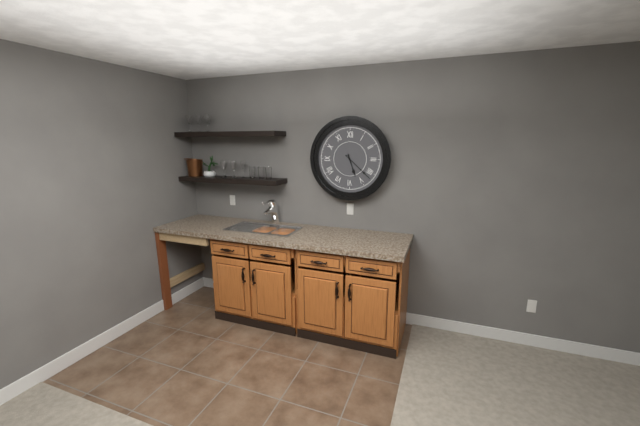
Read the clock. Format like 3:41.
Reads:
5:22
